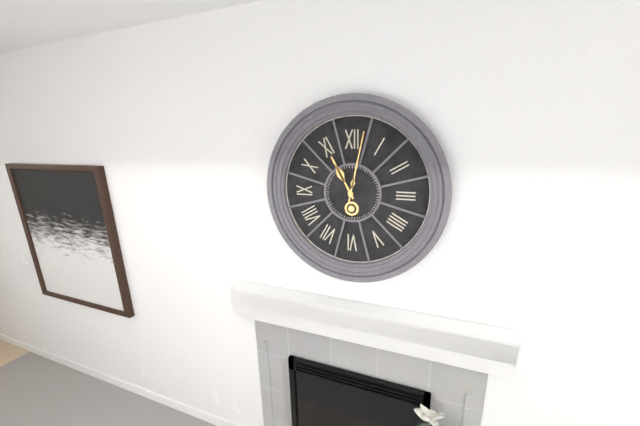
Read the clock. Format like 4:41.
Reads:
11:02
